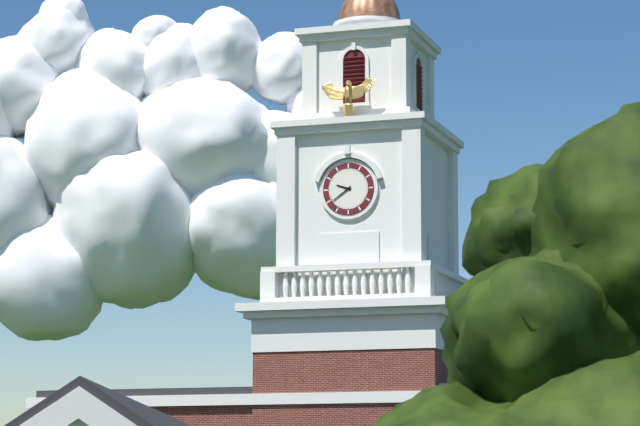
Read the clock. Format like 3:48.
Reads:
9:39
